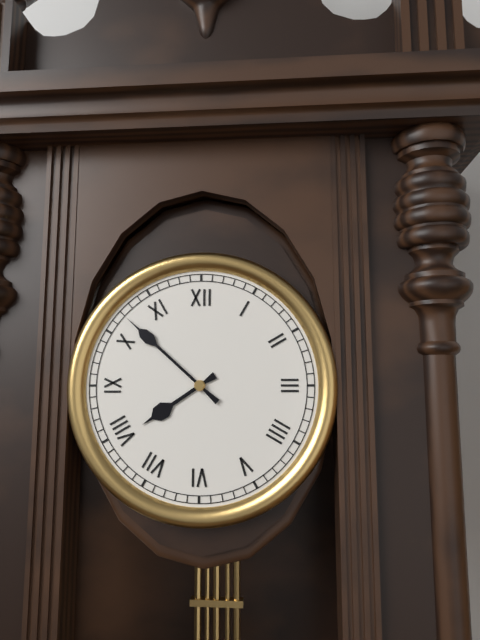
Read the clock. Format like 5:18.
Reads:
7:52
